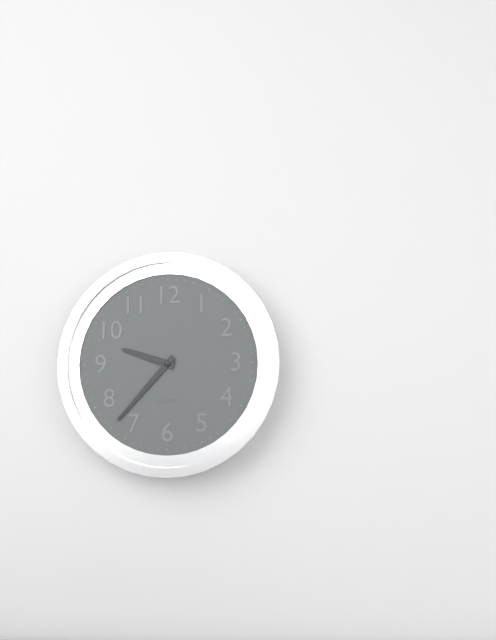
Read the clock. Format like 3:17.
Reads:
9:37
